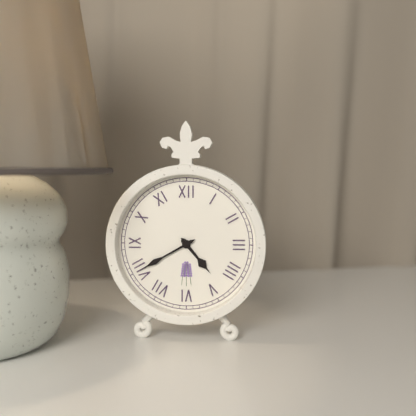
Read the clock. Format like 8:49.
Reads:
4:40
